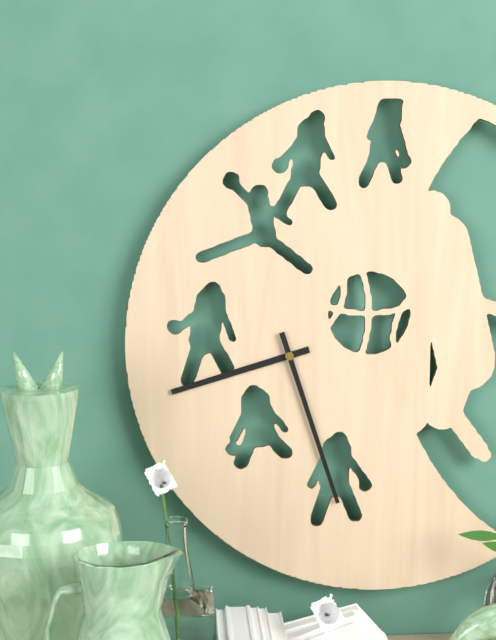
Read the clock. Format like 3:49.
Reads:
8:27
